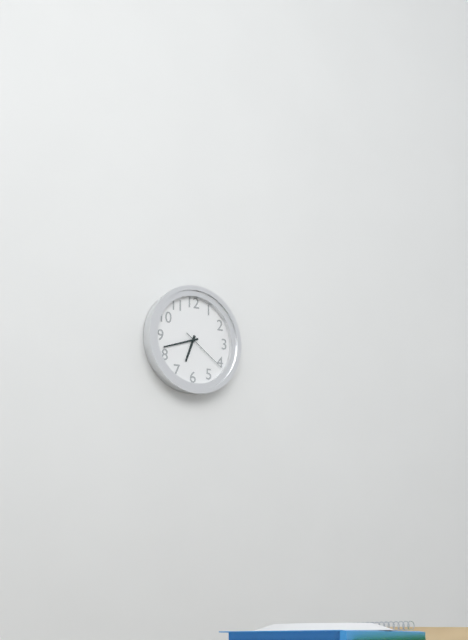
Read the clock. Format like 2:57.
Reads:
6:42
